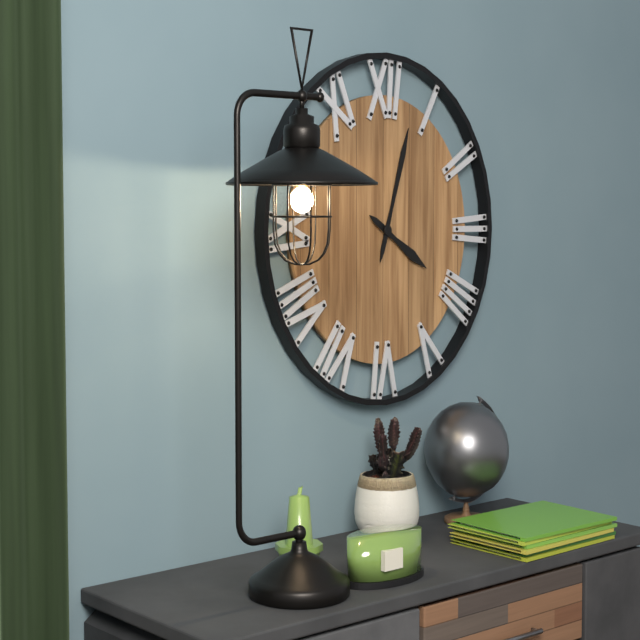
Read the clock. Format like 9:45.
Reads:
4:03
